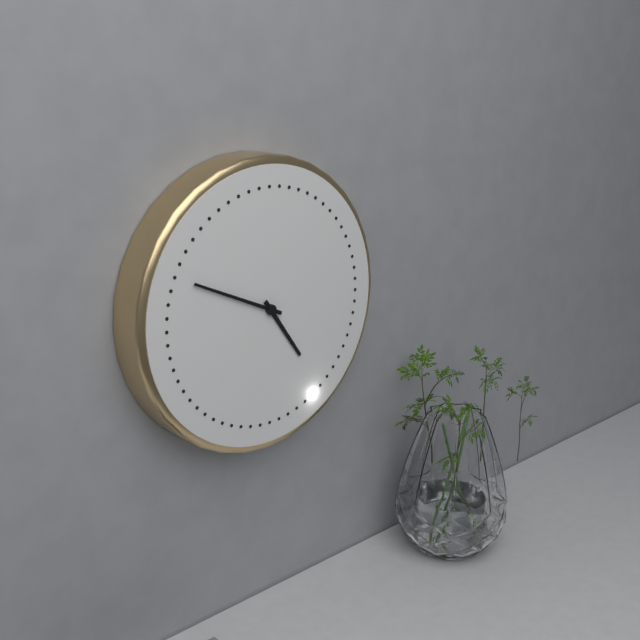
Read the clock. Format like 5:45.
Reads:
4:49
